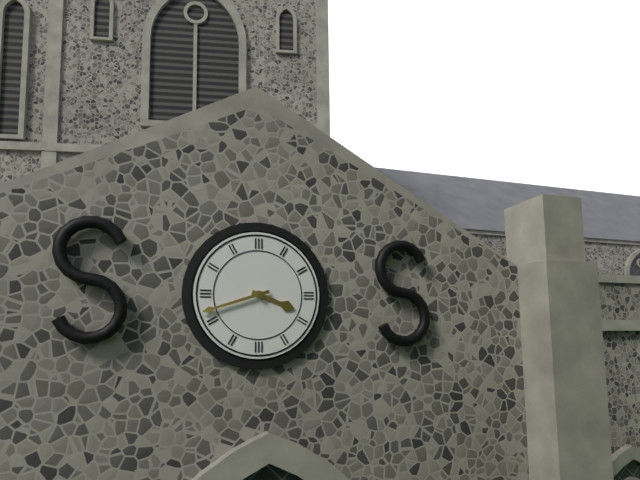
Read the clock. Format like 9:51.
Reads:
3:42
